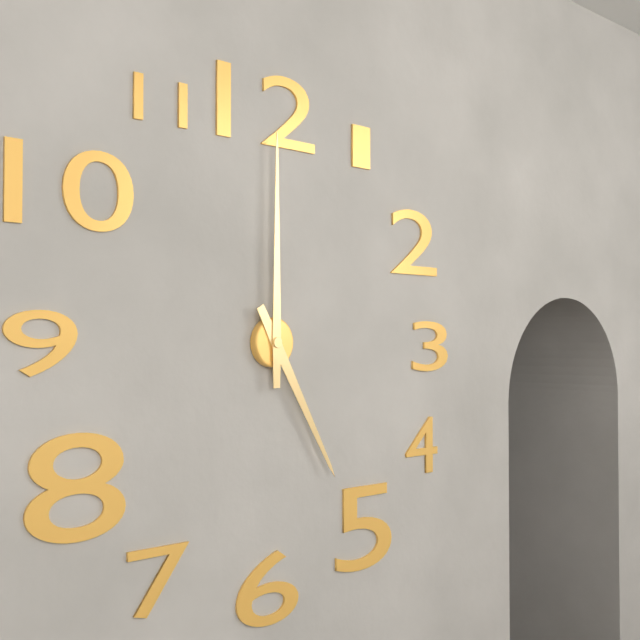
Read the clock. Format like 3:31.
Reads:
5:00
